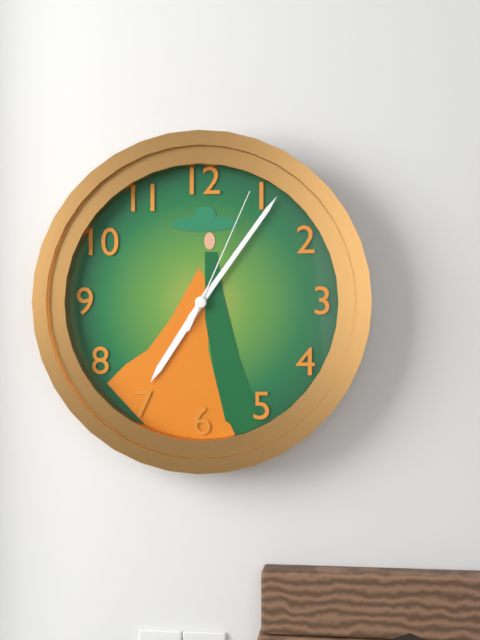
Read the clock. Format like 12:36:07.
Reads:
7:06:04
